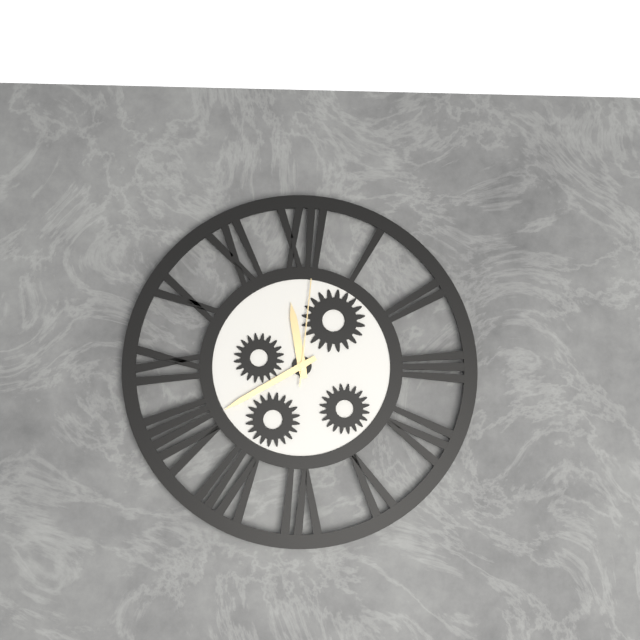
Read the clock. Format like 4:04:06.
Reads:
11:40:01
